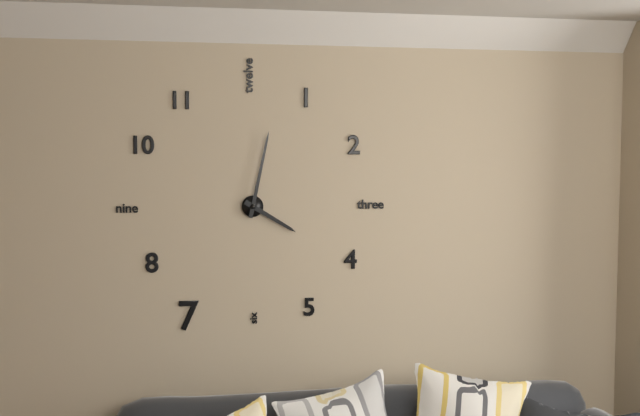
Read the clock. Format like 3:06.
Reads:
4:02
